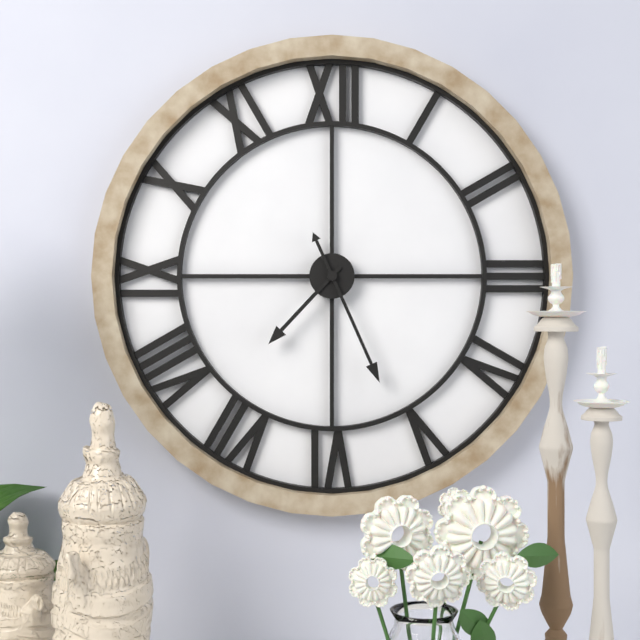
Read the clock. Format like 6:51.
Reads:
7:26
